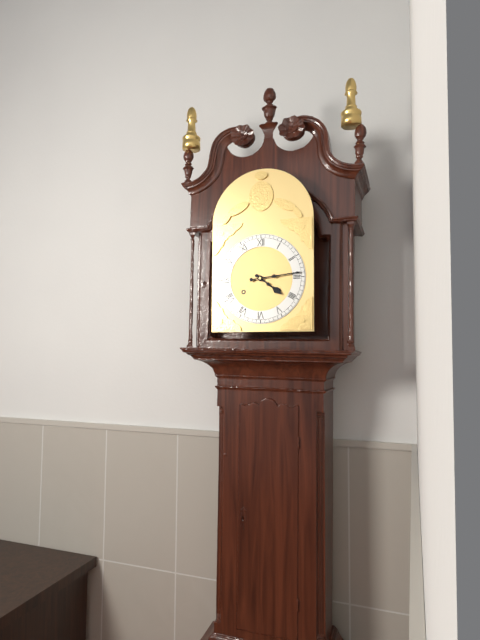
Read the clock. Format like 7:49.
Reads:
4:14
